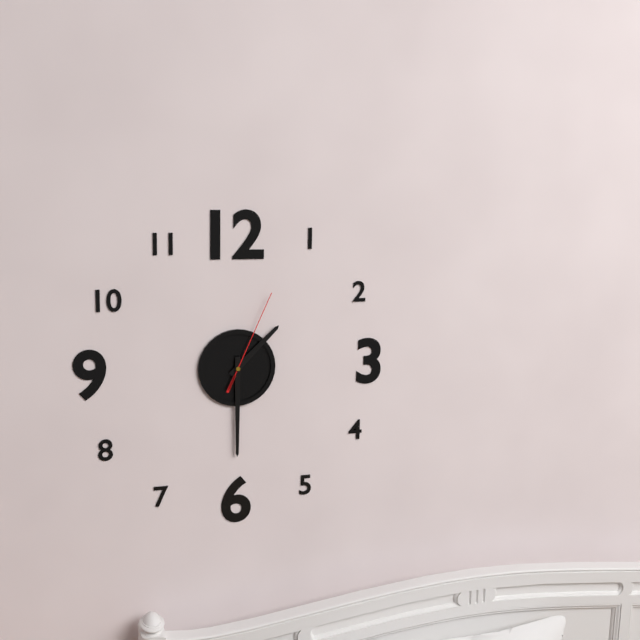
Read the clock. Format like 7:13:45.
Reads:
1:30:04
